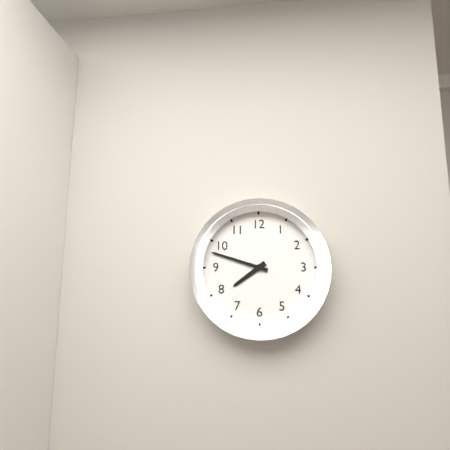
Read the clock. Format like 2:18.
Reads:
7:48
